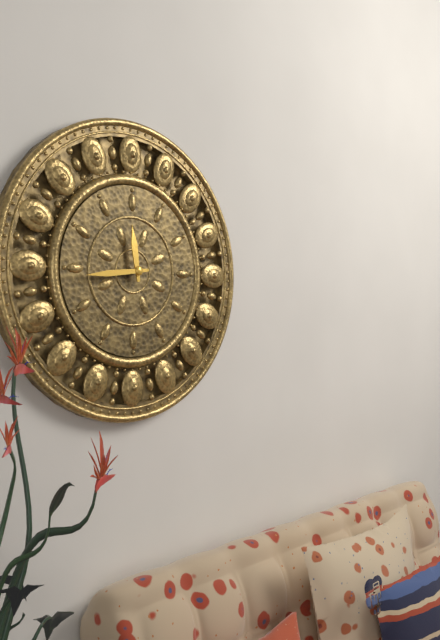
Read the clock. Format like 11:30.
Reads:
11:44
